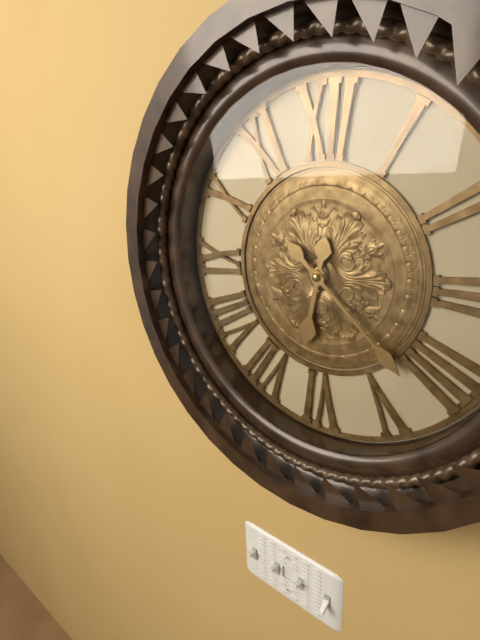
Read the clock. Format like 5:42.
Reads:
6:22
